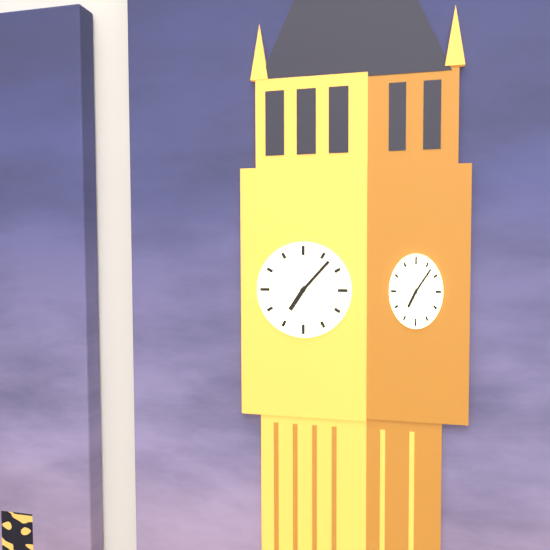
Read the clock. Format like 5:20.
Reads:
7:07
